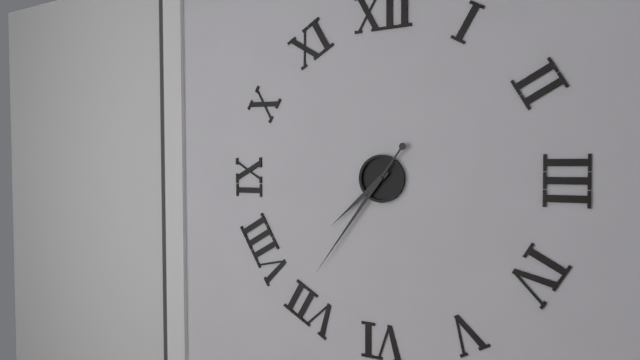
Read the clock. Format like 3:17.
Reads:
7:36
